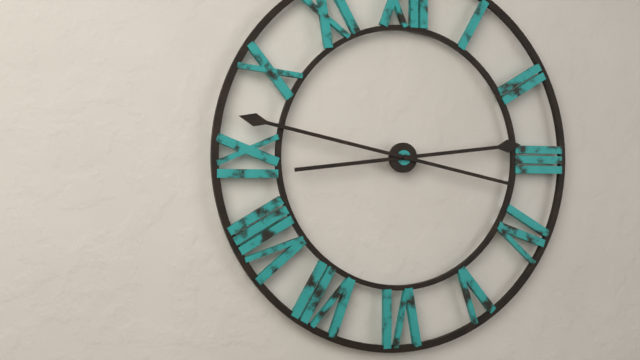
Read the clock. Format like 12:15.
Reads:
2:47
